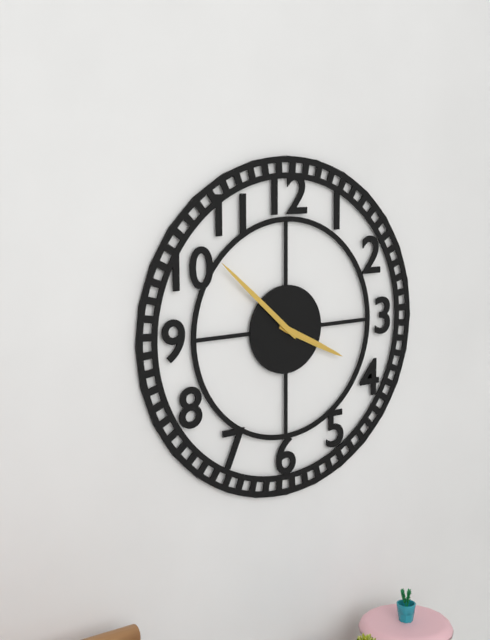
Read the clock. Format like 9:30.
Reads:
3:52
